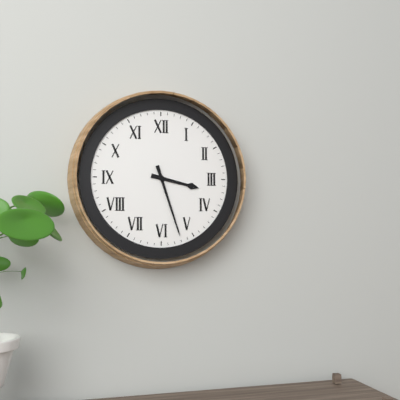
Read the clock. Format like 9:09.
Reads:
3:27
